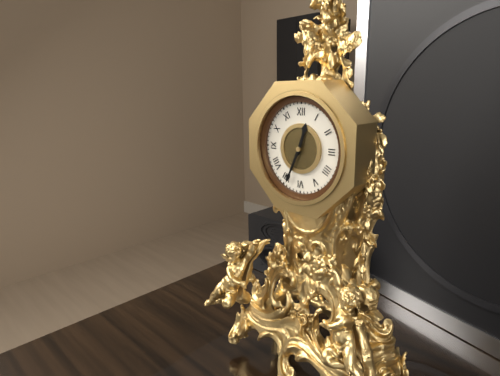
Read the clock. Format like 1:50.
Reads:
12:34
